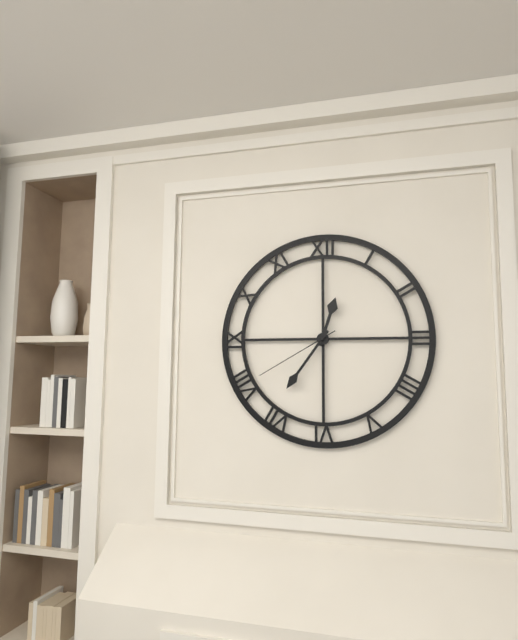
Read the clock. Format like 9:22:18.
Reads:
12:36:40
